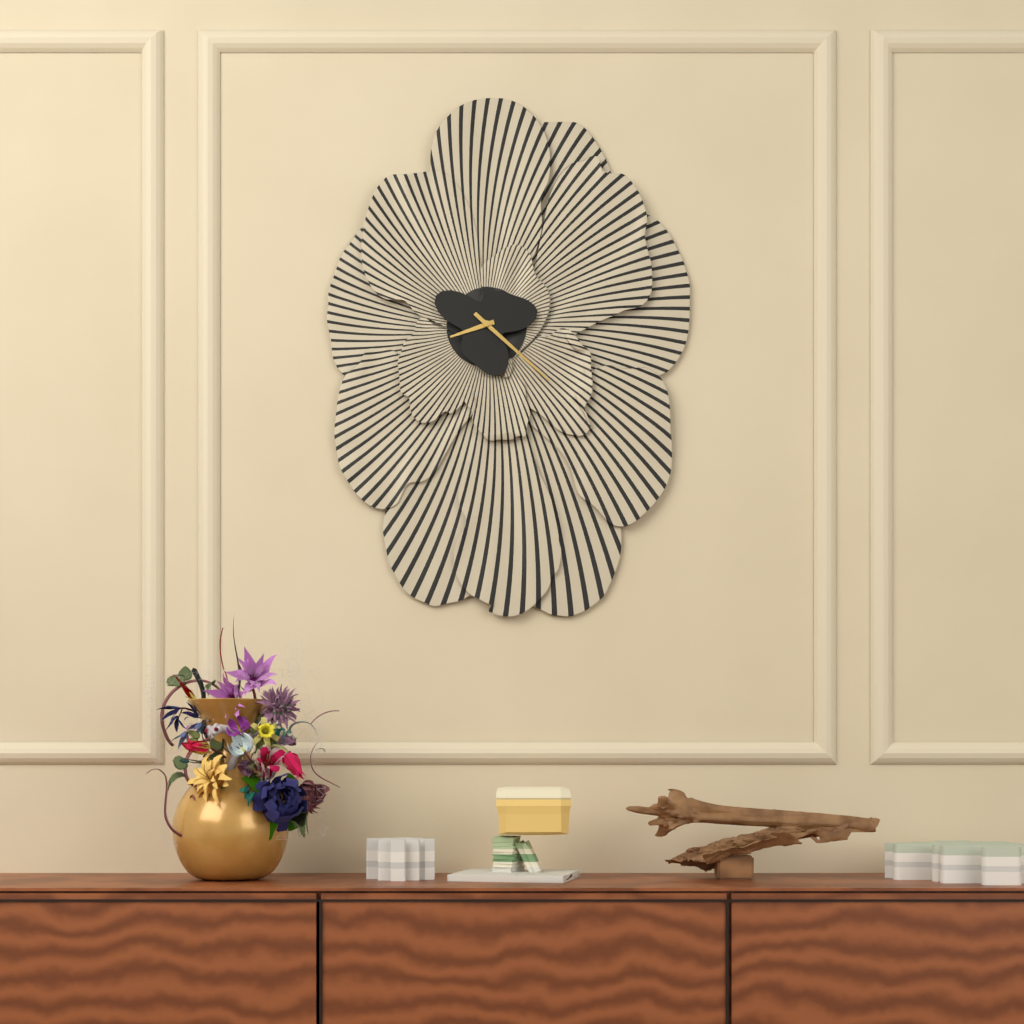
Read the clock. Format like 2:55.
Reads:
8:22
